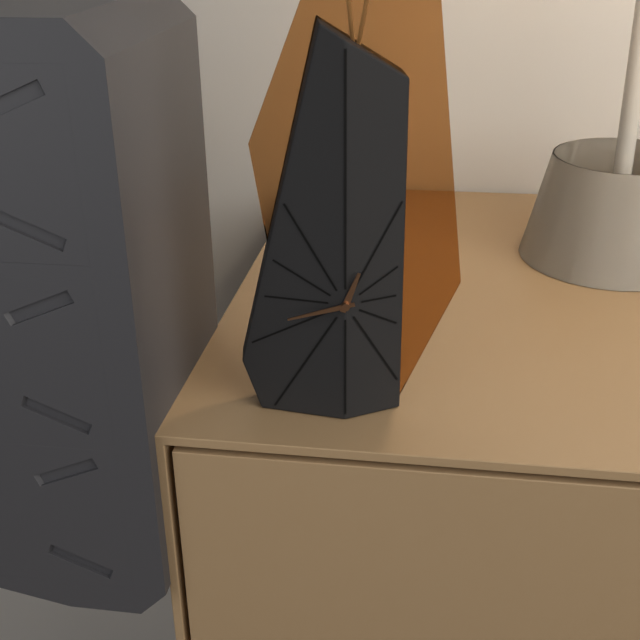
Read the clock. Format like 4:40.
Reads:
12:43
